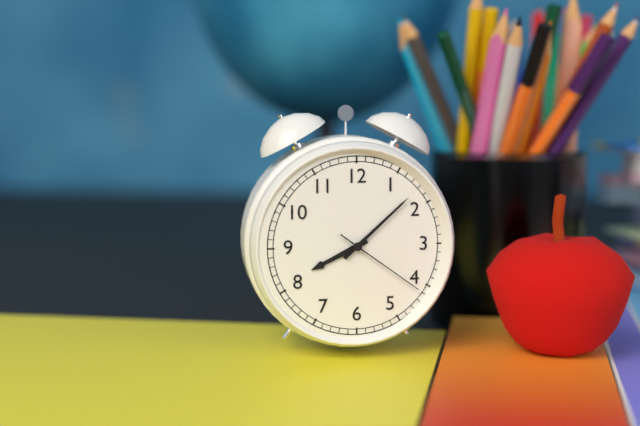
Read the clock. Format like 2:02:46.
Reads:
8:08:21
